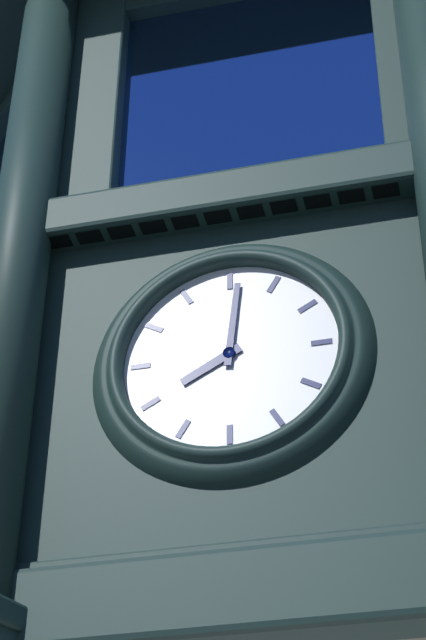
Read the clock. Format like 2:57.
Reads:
8:01
